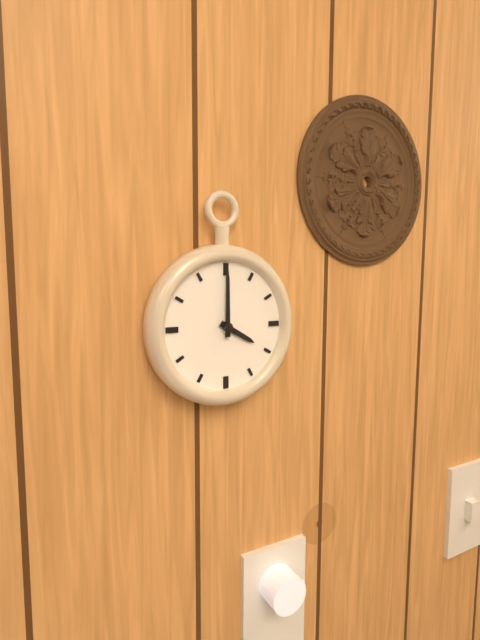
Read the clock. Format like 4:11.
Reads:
4:00
